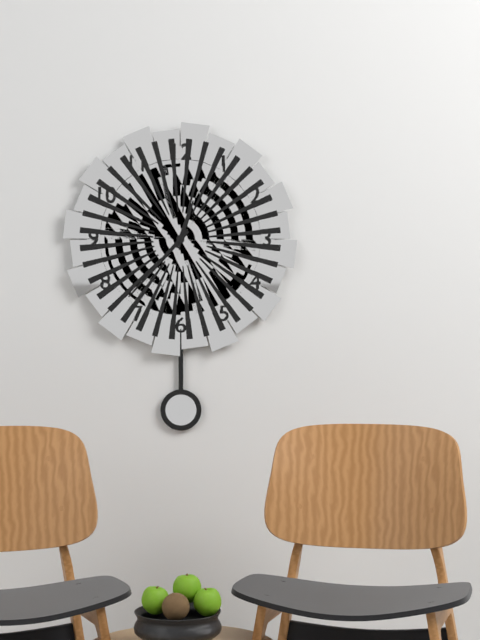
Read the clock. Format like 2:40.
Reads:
12:37
